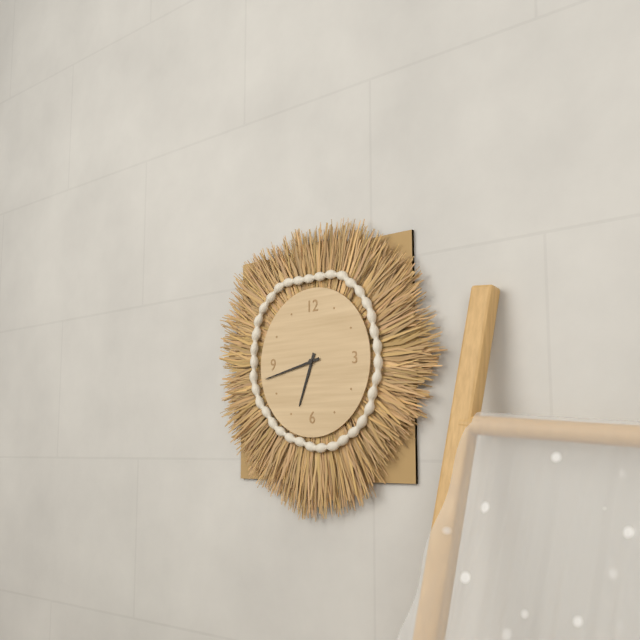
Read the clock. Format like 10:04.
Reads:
6:43
